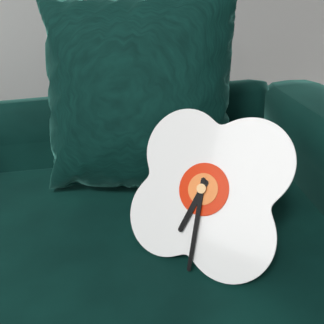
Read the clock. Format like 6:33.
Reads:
6:29
